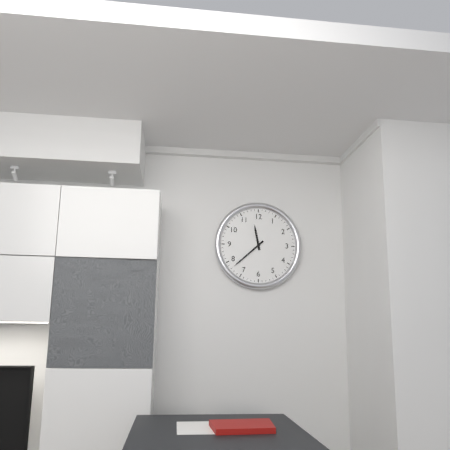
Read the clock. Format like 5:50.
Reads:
11:38
